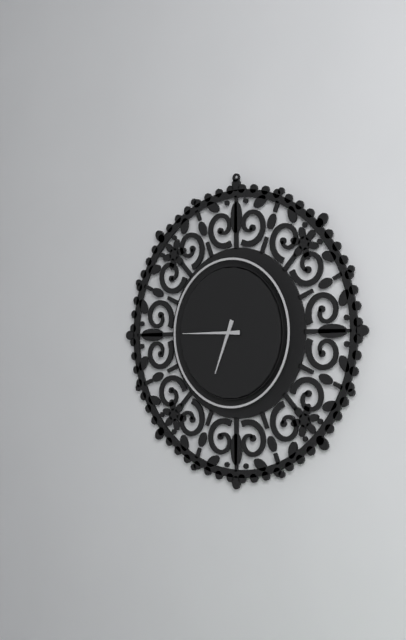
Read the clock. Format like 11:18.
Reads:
6:45
